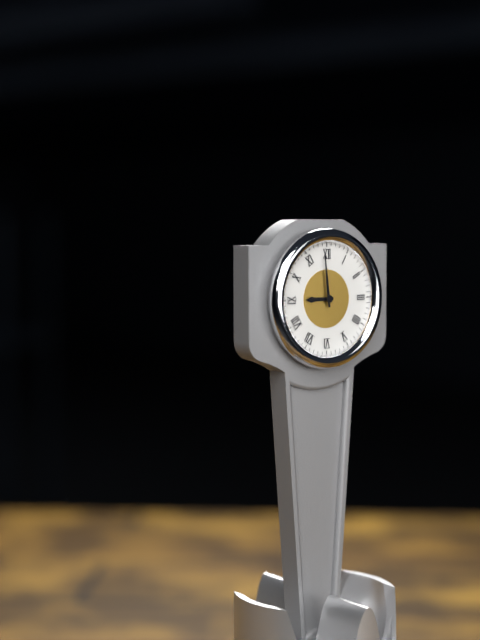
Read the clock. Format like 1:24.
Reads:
8:59
